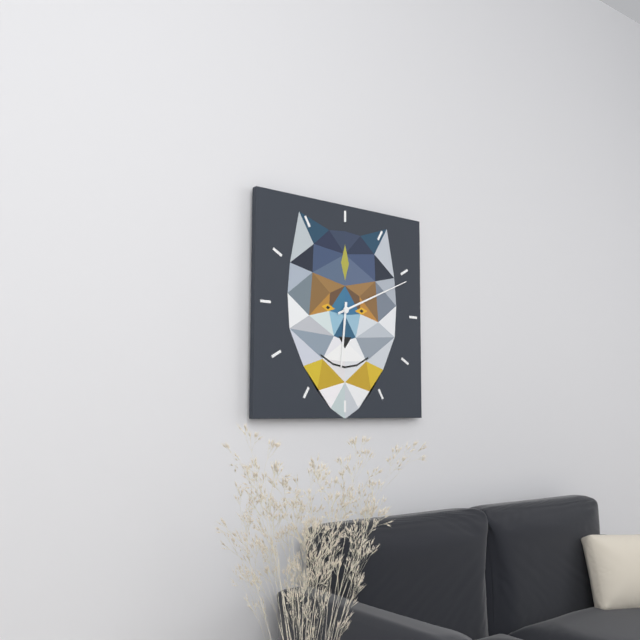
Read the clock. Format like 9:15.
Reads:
6:11
